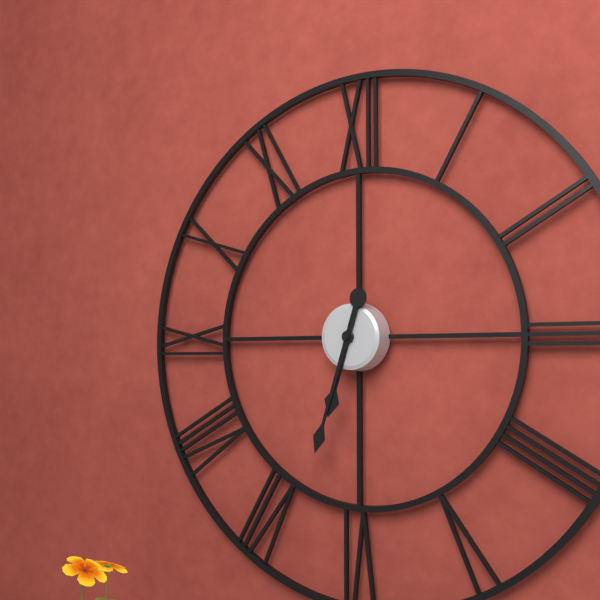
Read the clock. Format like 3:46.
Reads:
6:33
